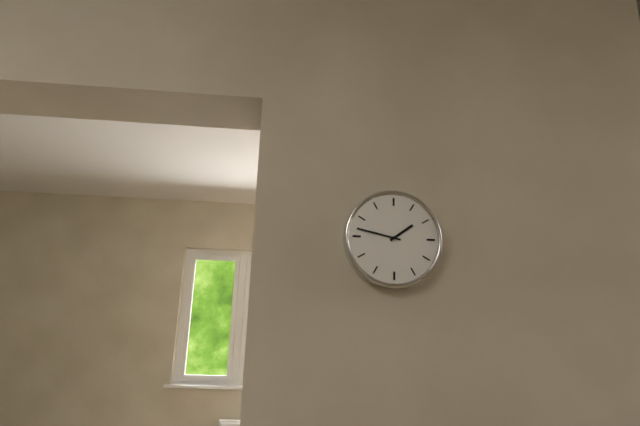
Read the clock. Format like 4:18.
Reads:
1:47
